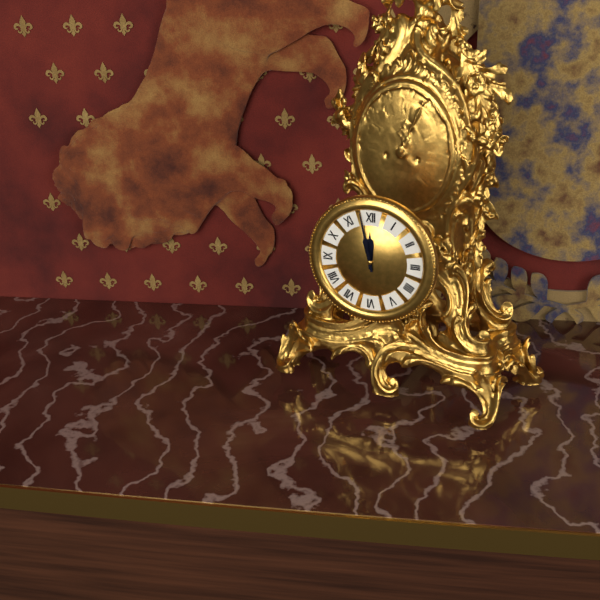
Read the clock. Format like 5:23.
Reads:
11:58
